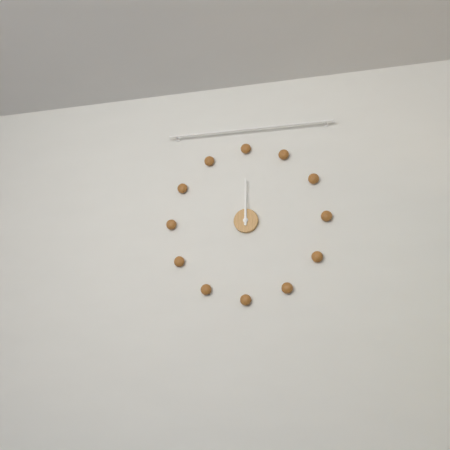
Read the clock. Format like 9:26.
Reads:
12:00
